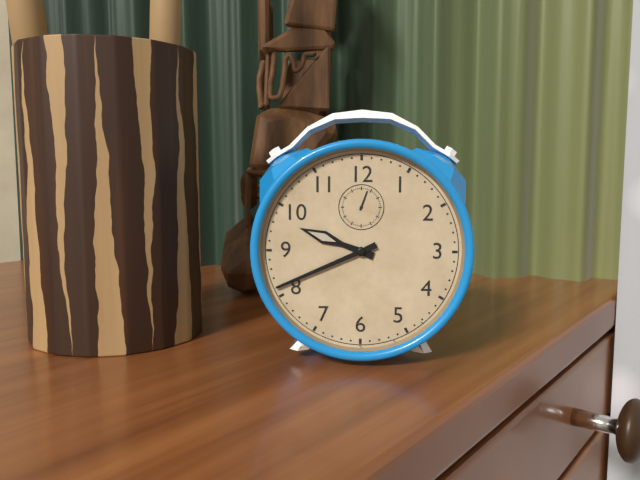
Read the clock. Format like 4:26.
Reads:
9:41
